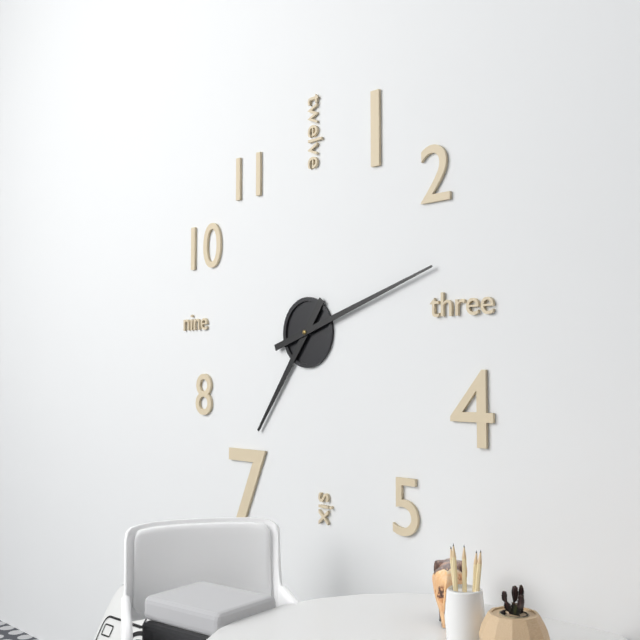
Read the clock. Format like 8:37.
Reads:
7:12
